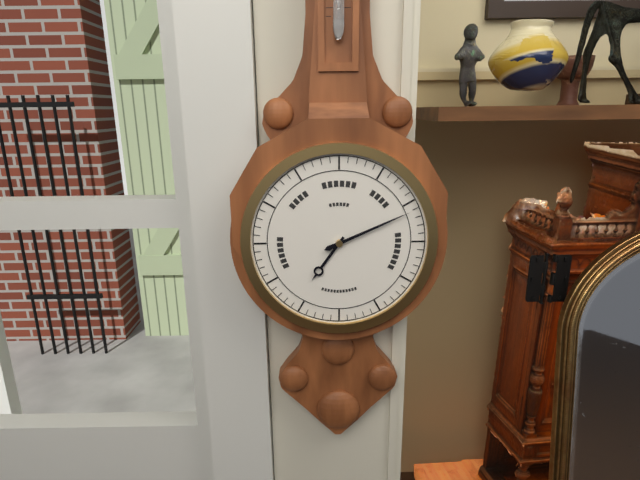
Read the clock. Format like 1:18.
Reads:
7:11
